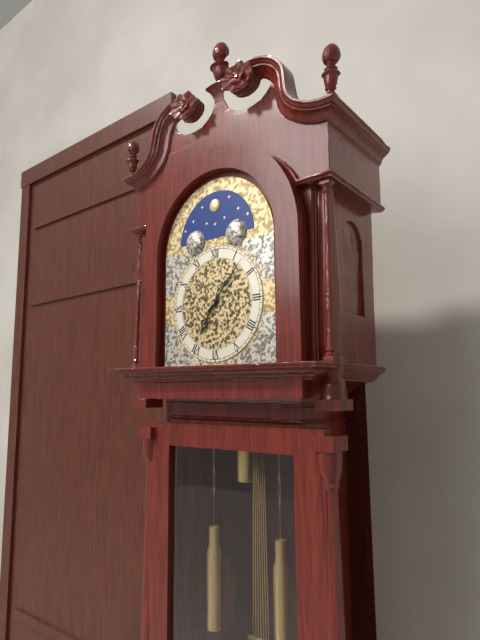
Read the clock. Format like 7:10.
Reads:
7:07
